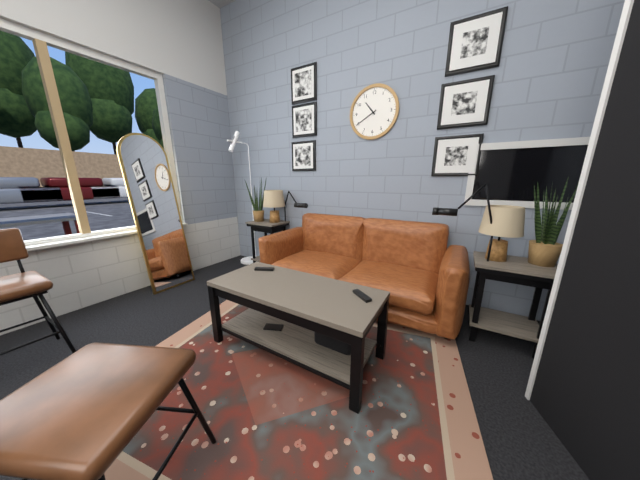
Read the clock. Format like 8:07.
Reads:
10:40
